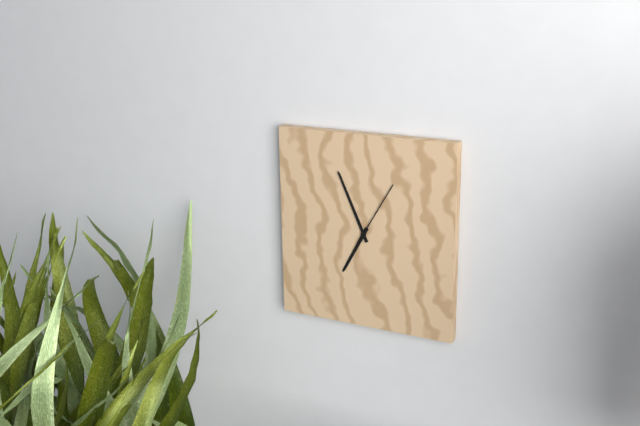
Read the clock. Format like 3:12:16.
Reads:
6:56:05
